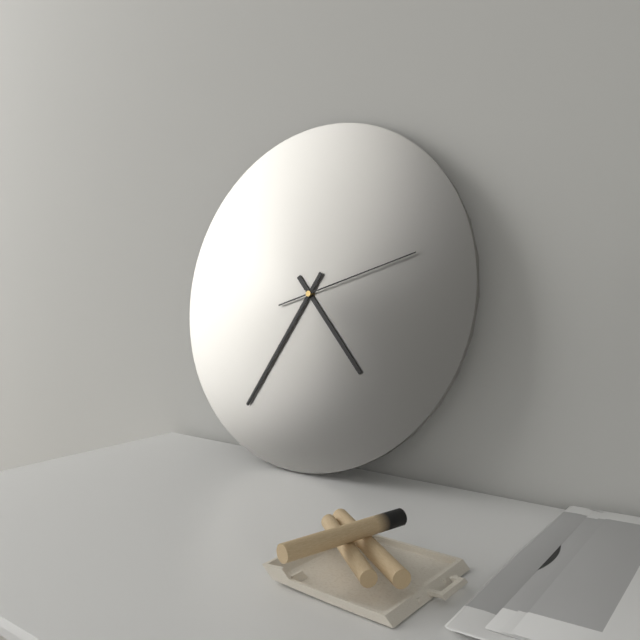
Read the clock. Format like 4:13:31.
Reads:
4:35:12
